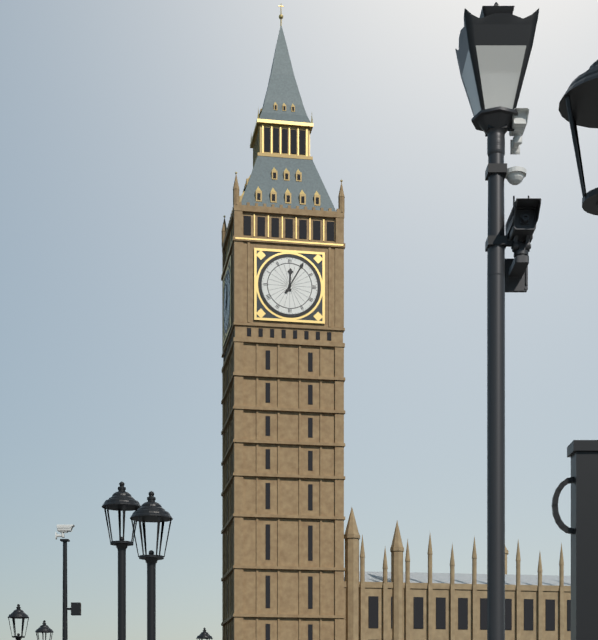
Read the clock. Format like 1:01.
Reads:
12:05
